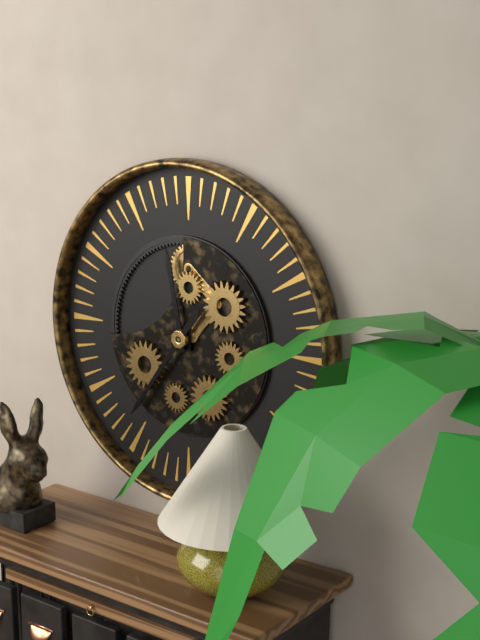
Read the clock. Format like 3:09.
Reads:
11:36
